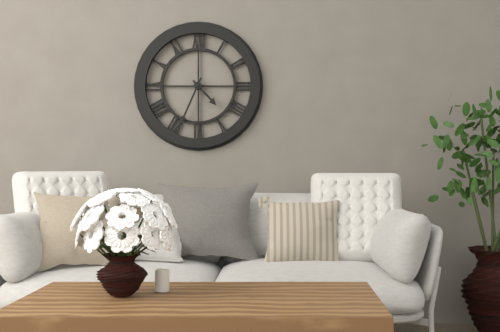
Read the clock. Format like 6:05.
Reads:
4:34
